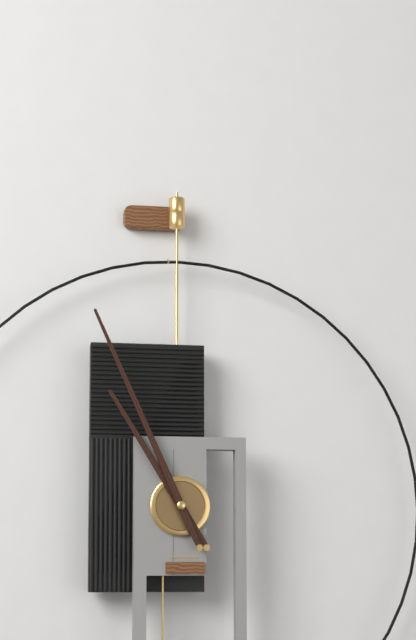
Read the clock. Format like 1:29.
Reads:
10:56
